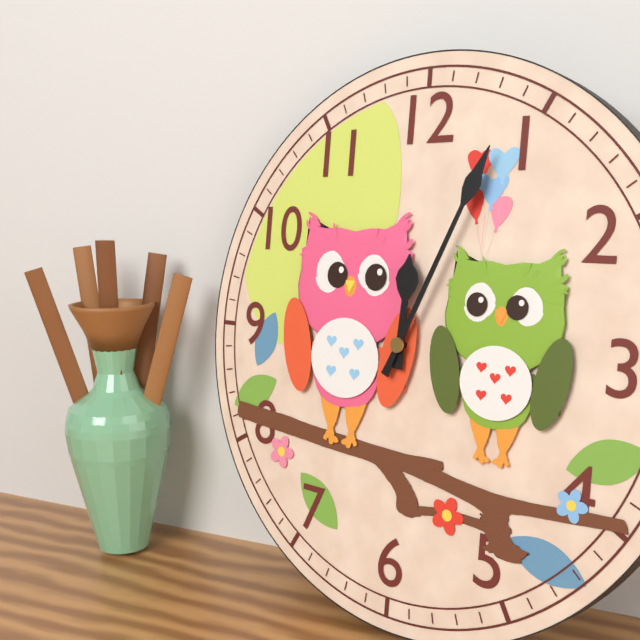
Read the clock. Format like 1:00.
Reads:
12:04
